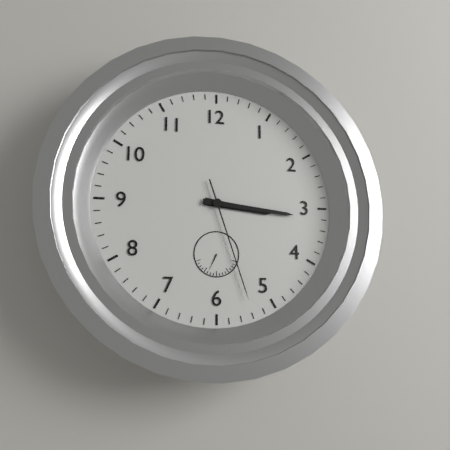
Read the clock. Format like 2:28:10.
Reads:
3:16:27
